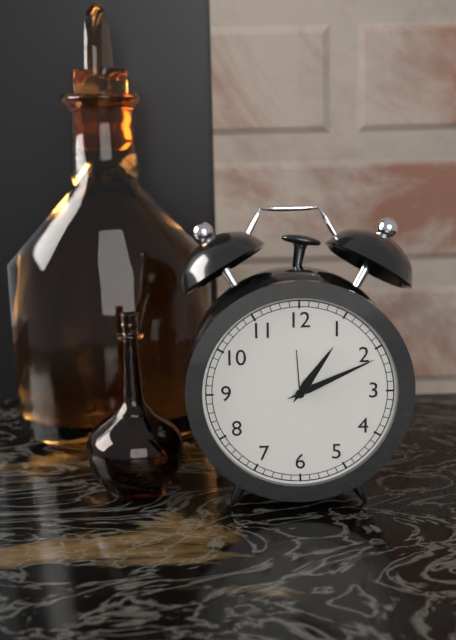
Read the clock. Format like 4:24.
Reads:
1:11
